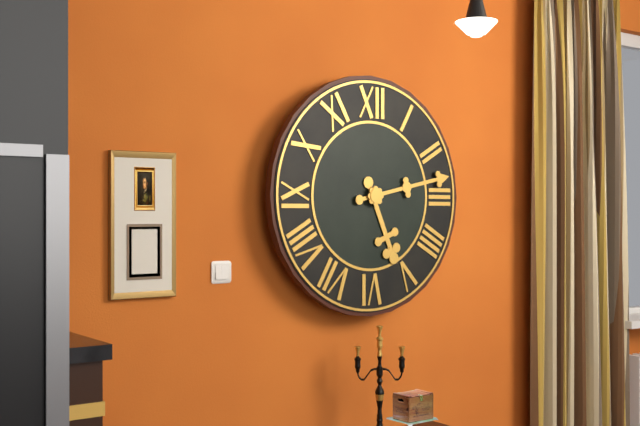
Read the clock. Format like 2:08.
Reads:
5:13
